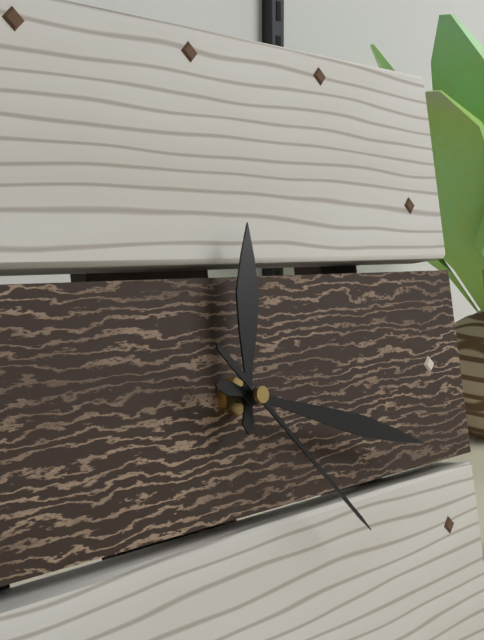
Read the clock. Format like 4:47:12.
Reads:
12:18:23
